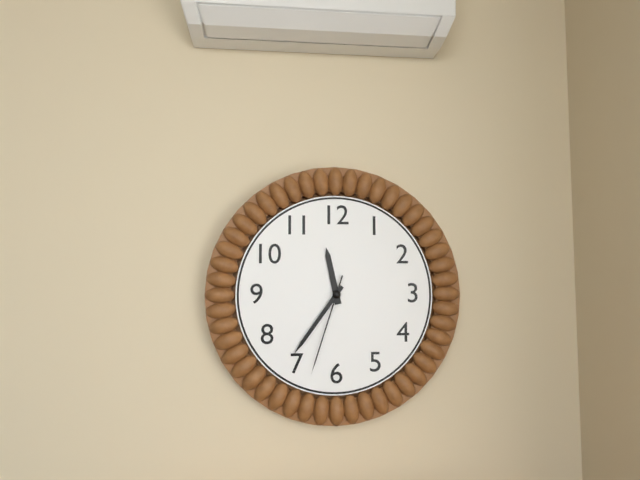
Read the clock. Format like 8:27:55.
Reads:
11:36:33
